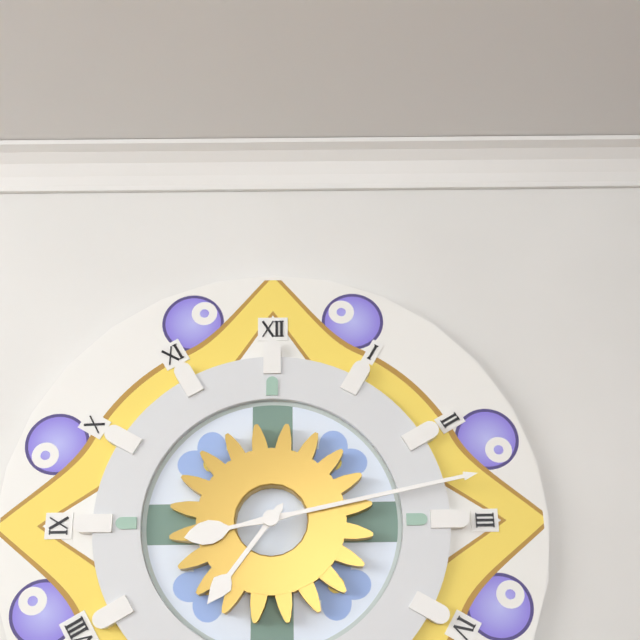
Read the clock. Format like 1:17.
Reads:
7:13
